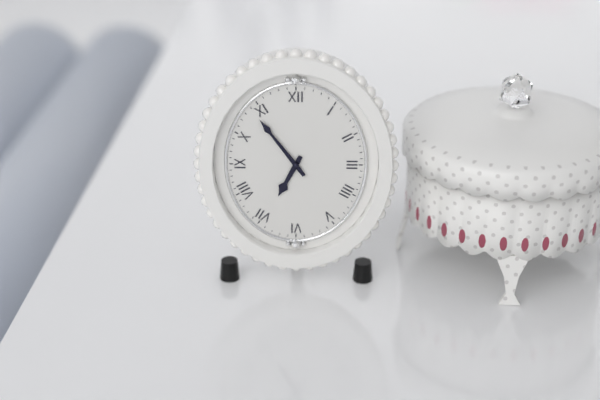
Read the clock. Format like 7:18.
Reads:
6:54
